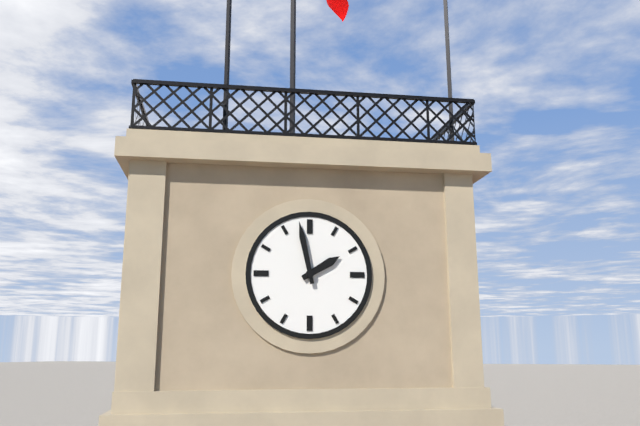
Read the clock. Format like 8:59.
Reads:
1:58
